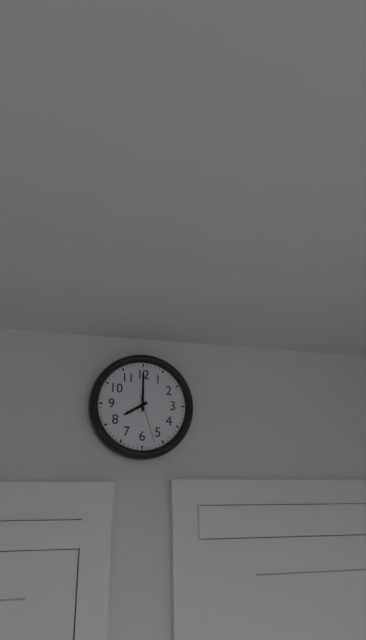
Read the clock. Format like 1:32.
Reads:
8:00
